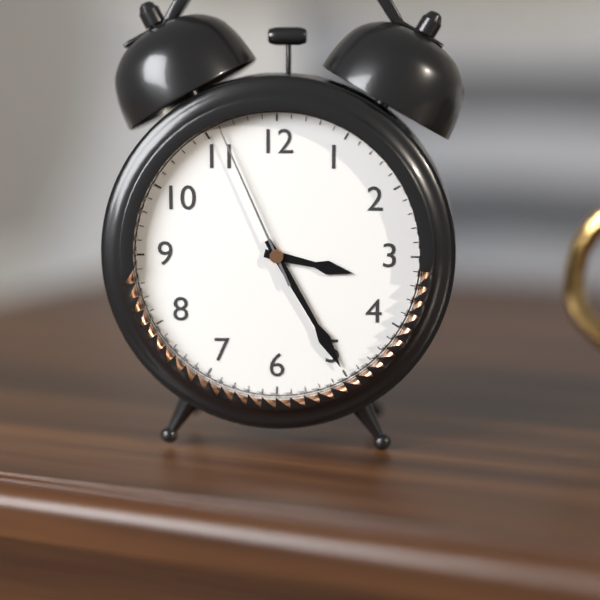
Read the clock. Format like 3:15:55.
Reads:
3:25:56
